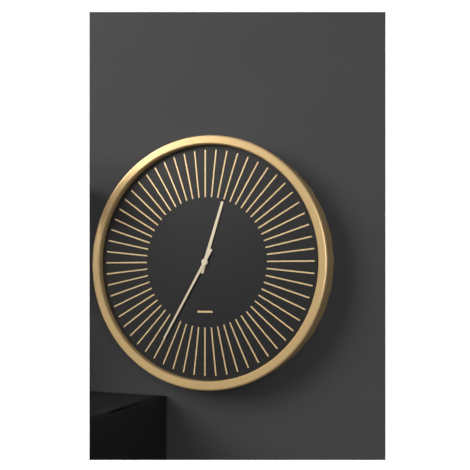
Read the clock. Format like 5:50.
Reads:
12:35
